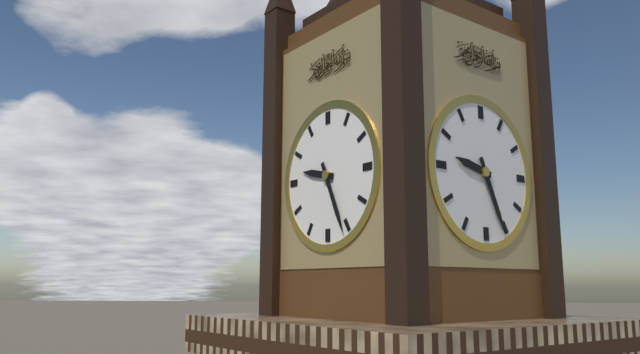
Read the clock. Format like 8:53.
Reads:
9:26
